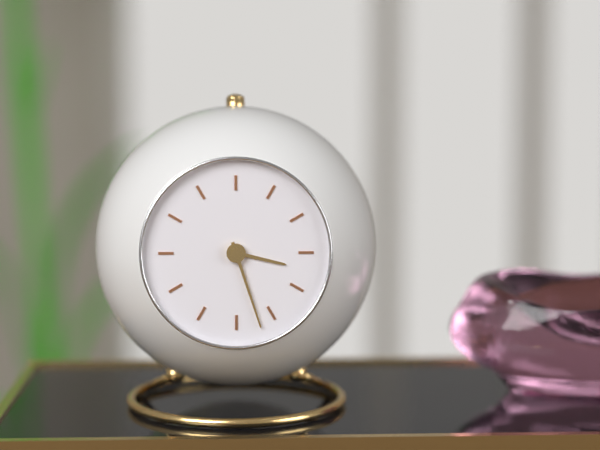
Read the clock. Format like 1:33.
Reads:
3:27
